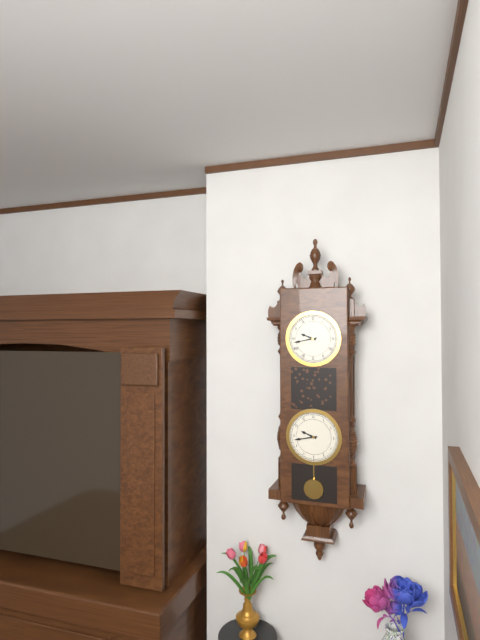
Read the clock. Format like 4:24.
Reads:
9:43
